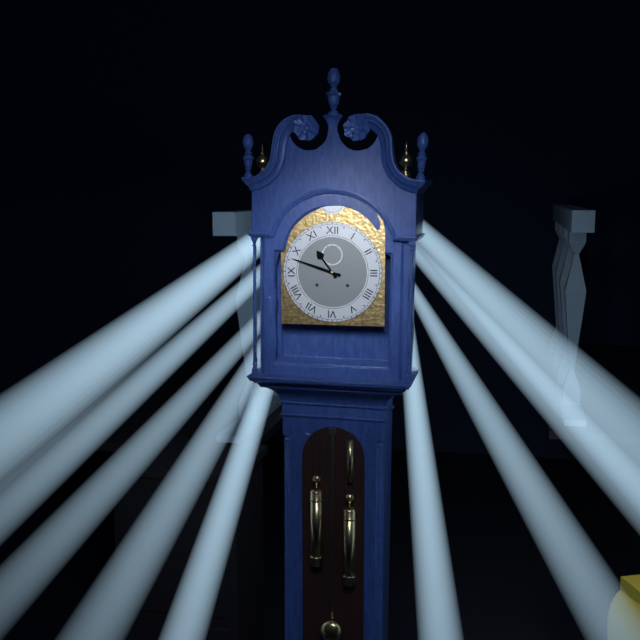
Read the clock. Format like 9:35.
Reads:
10:48
